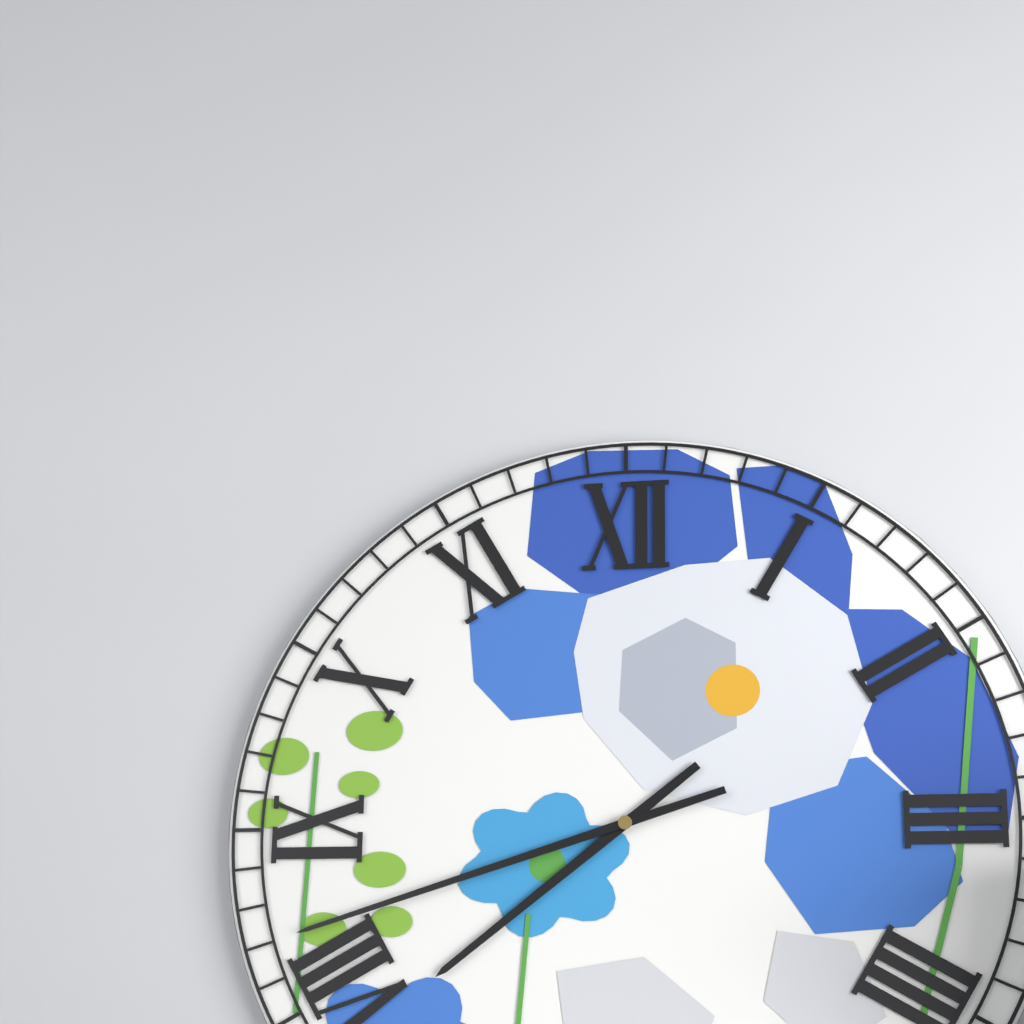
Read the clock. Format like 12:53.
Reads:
7:42
